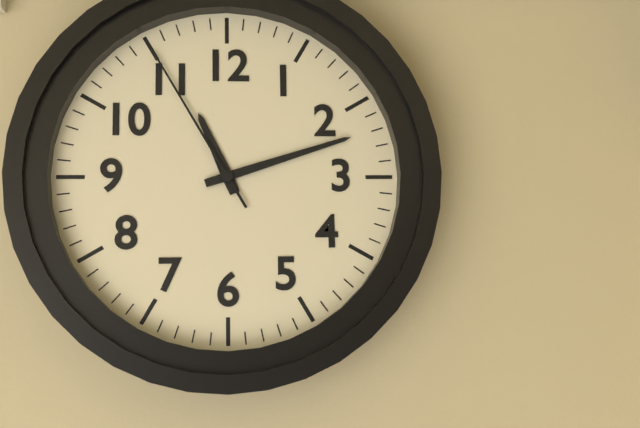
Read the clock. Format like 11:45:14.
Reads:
11:12:55
